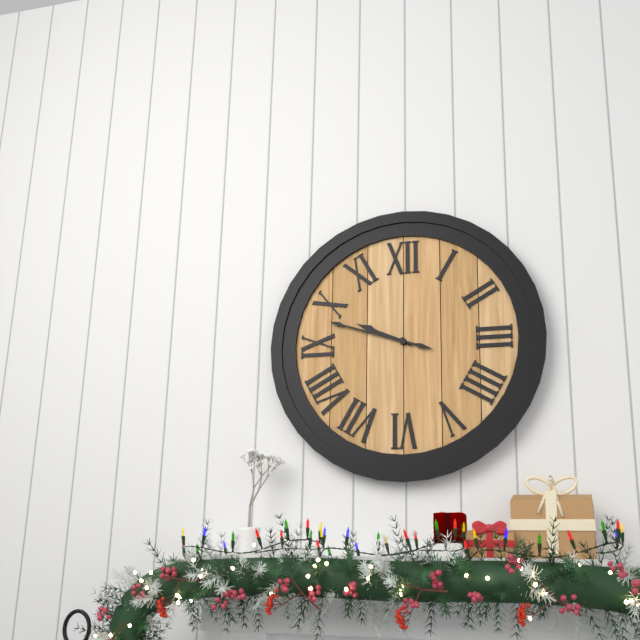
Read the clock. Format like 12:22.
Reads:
9:48
